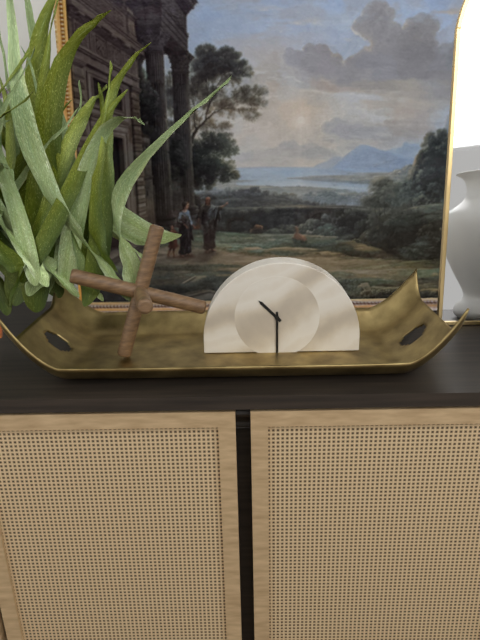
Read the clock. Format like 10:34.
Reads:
10:30
